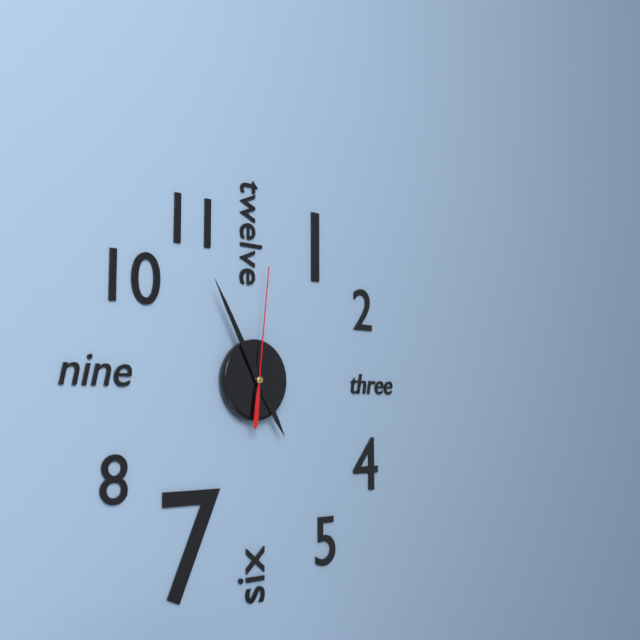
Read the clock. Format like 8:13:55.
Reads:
4:55:01
